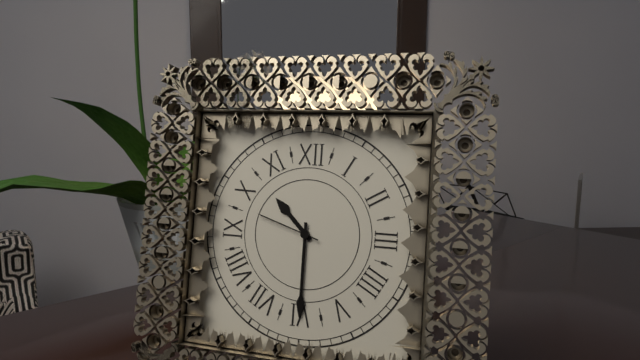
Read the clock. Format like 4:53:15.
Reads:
10:30:48
